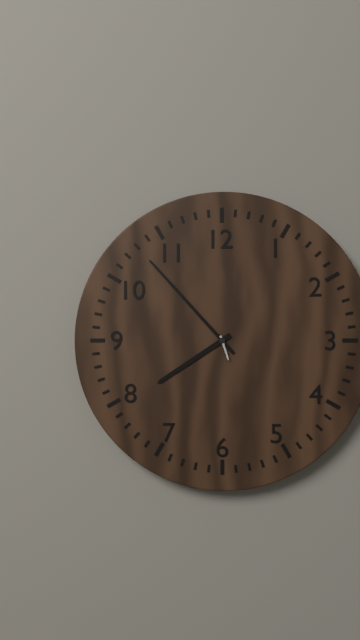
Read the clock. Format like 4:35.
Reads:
7:53
